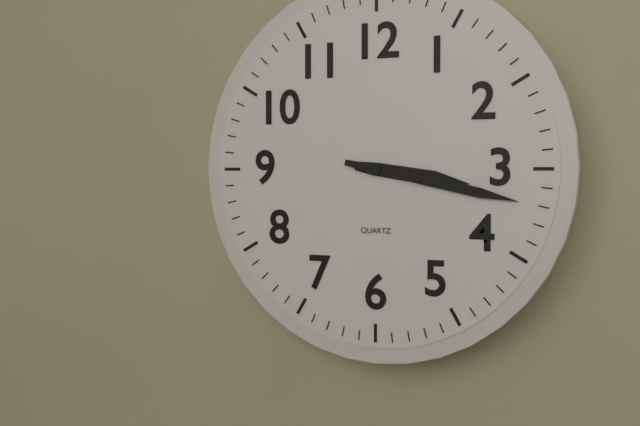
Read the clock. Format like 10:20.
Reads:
3:17
